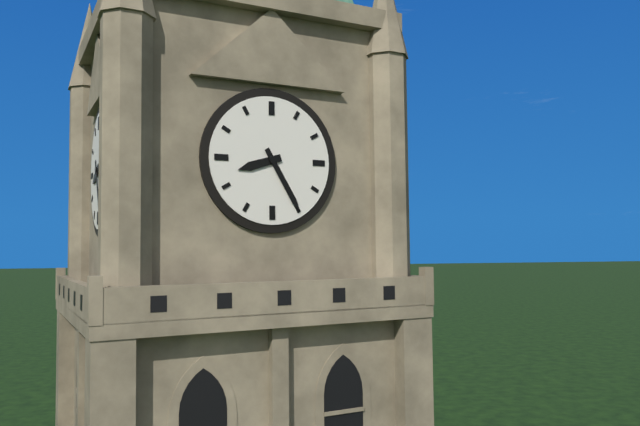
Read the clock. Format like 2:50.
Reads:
8:25
